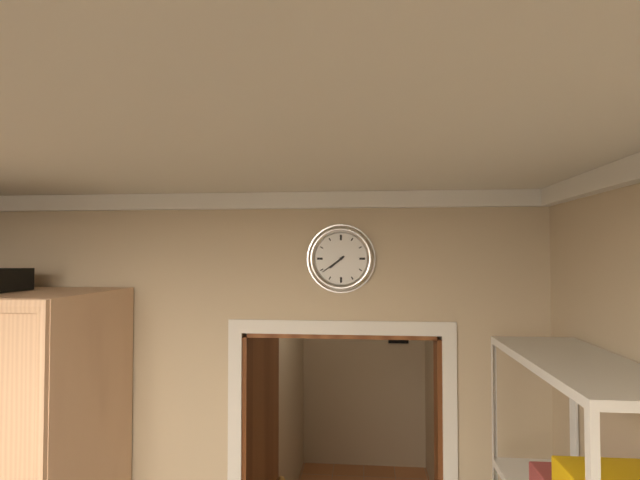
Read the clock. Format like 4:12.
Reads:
7:39
